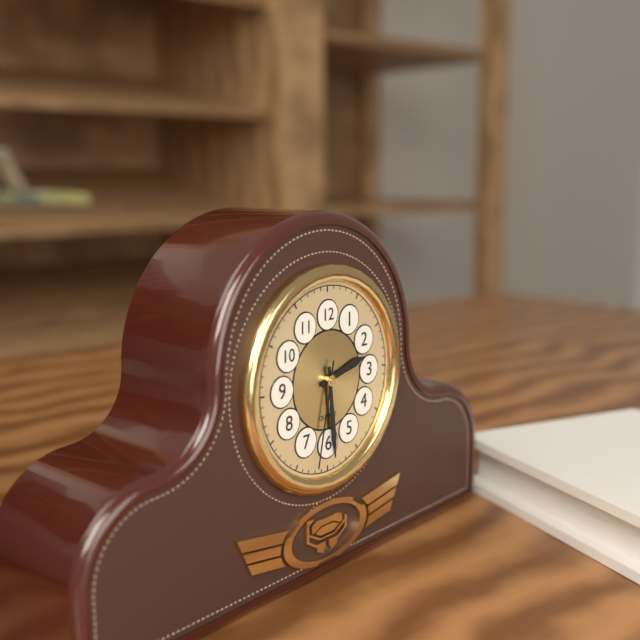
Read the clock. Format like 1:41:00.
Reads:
2:29:32
